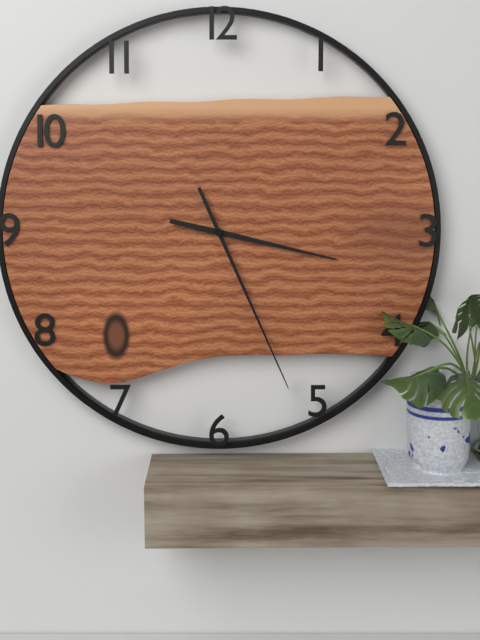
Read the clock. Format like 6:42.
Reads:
3:26
